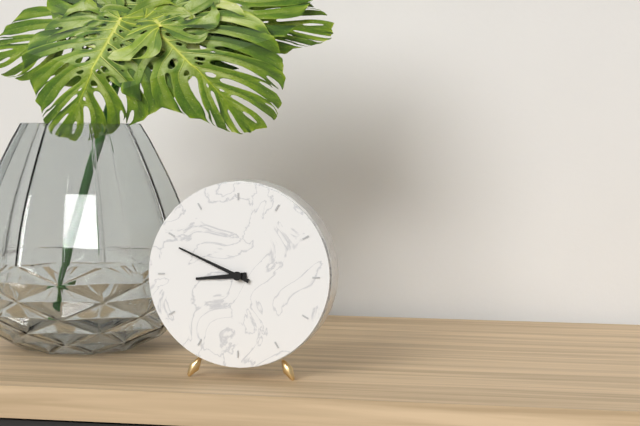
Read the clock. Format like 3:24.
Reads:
8:49
